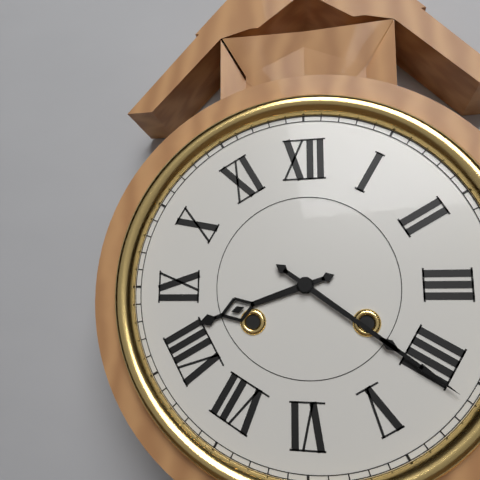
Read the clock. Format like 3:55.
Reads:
8:21
